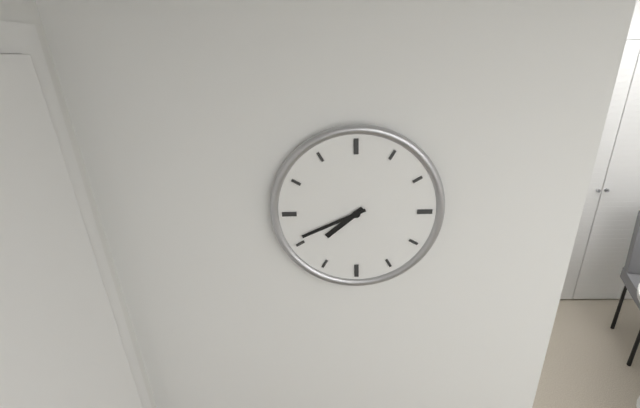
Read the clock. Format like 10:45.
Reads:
7:41
